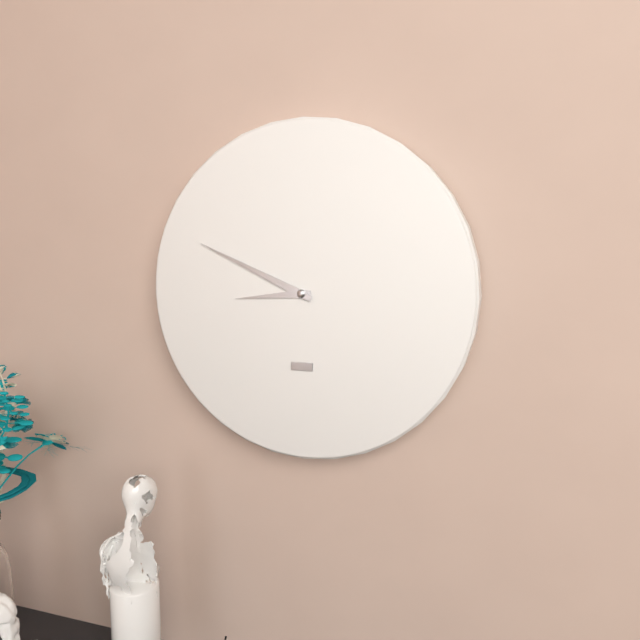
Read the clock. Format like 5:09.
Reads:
8:49
